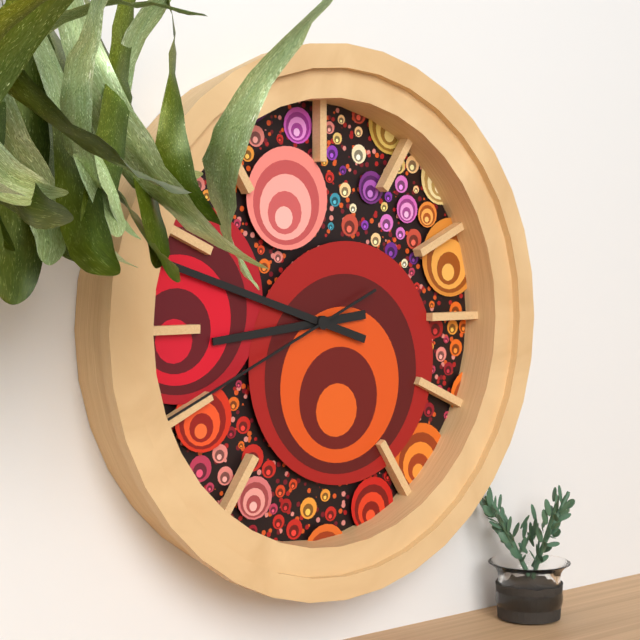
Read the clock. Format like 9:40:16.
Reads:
8:48:41
